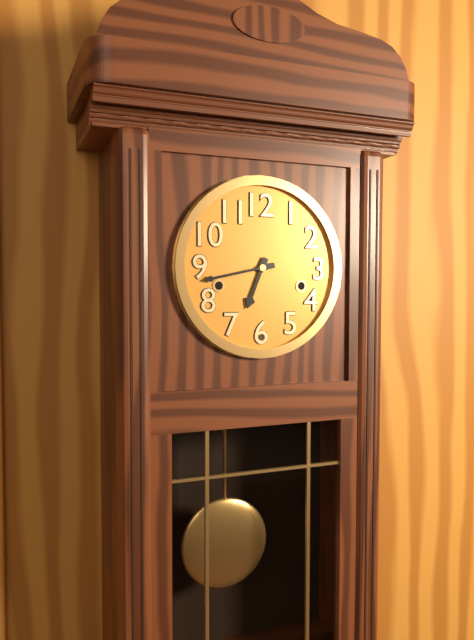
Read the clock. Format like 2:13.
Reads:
6:43
